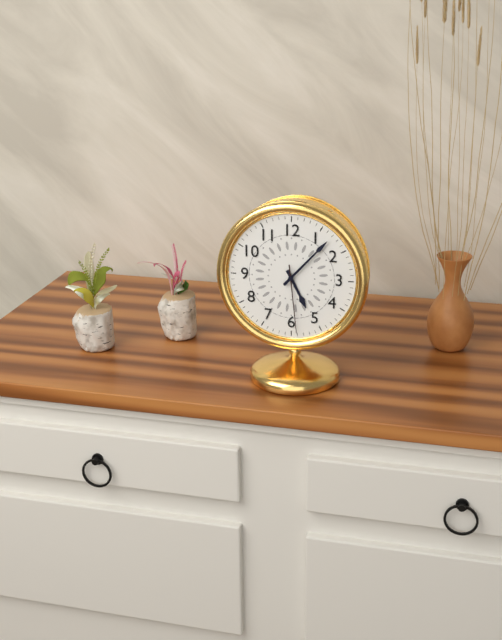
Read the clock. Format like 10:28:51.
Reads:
5:07:29
